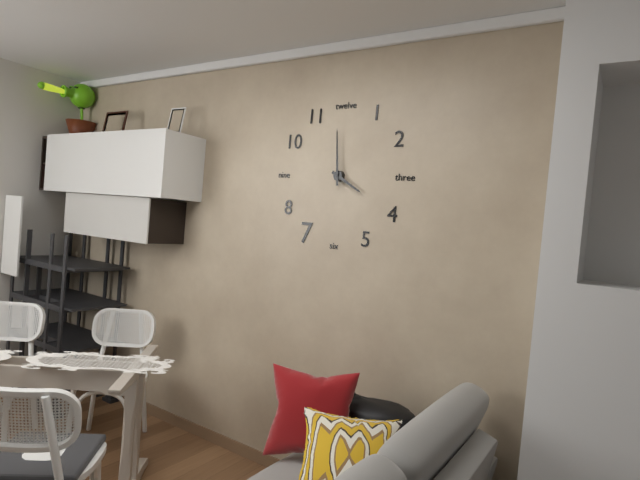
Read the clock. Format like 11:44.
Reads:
3:59
